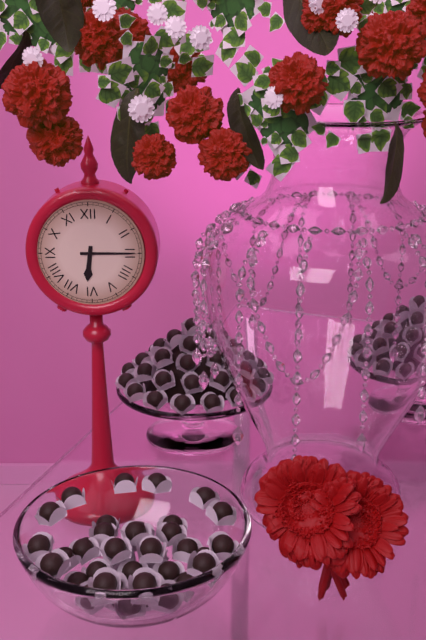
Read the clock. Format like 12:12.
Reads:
6:15
